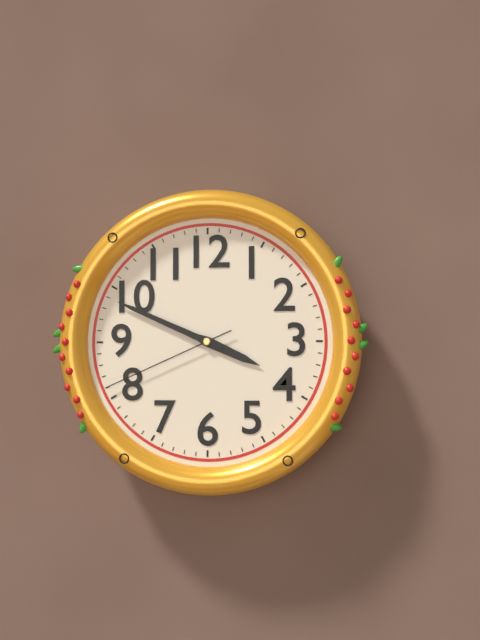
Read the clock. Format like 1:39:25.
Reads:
3:49:41
